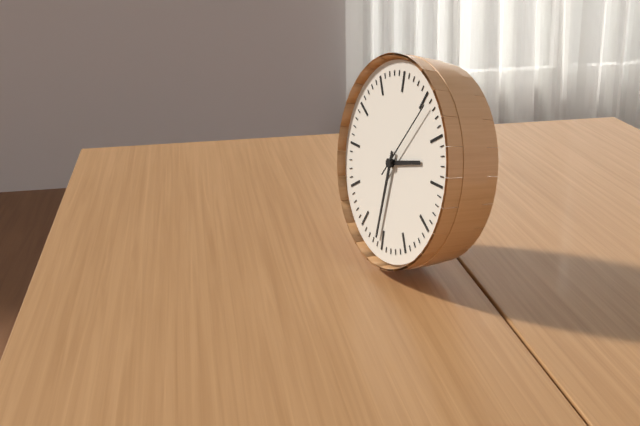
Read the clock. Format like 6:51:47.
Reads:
2:31:06
